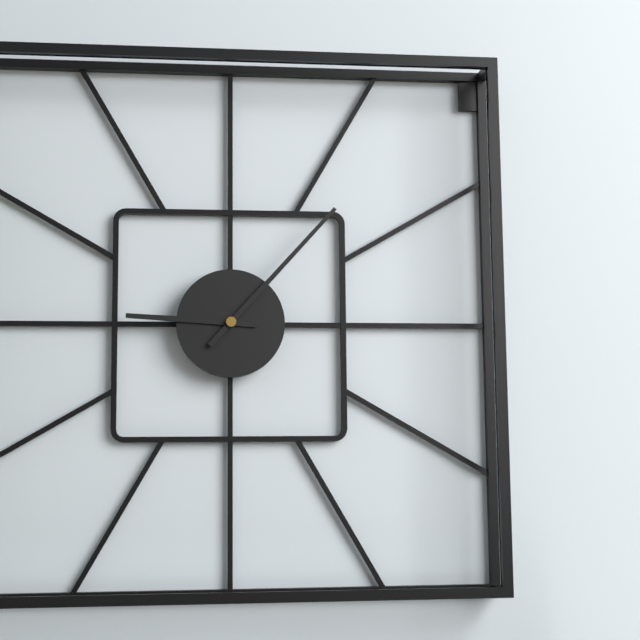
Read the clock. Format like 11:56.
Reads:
9:07
